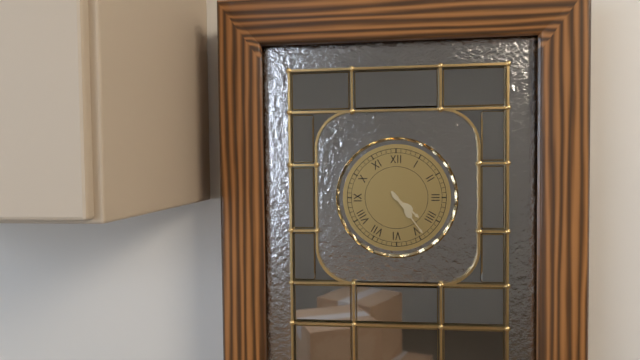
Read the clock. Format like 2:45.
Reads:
4:24
